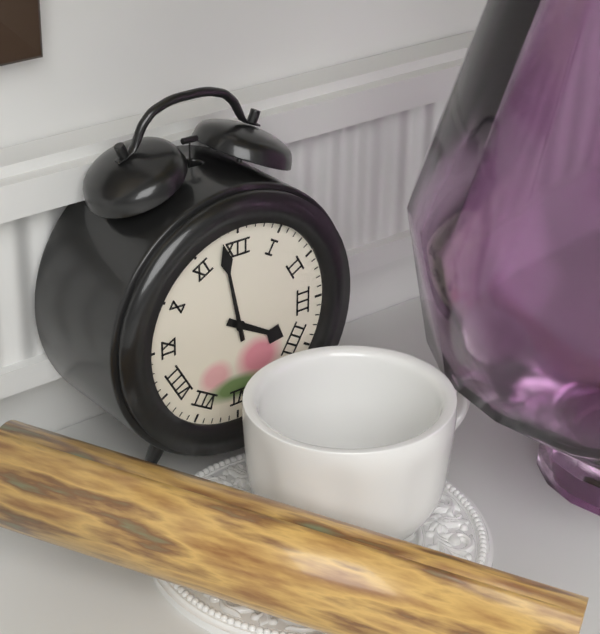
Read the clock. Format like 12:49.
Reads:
3:58
